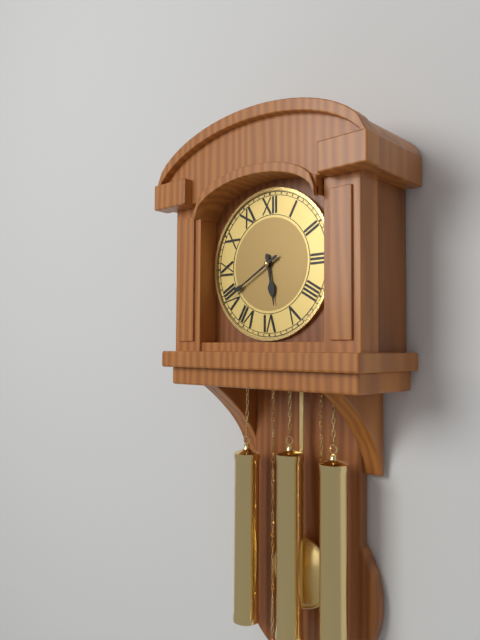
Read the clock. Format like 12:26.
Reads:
5:40
